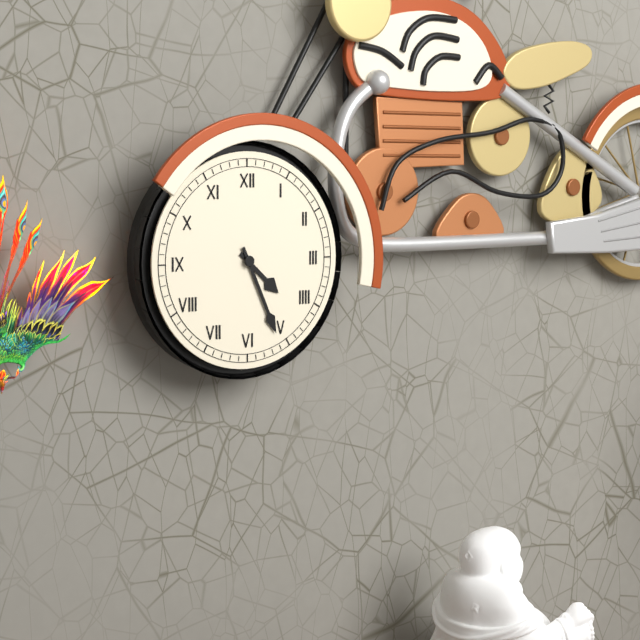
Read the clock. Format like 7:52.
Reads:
4:26
